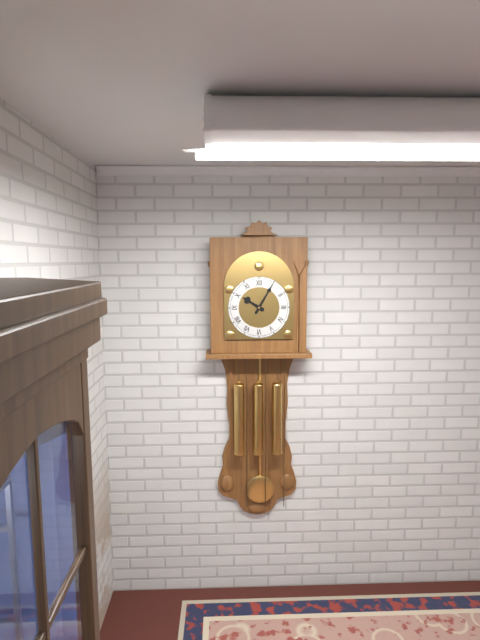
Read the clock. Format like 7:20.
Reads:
10:05
